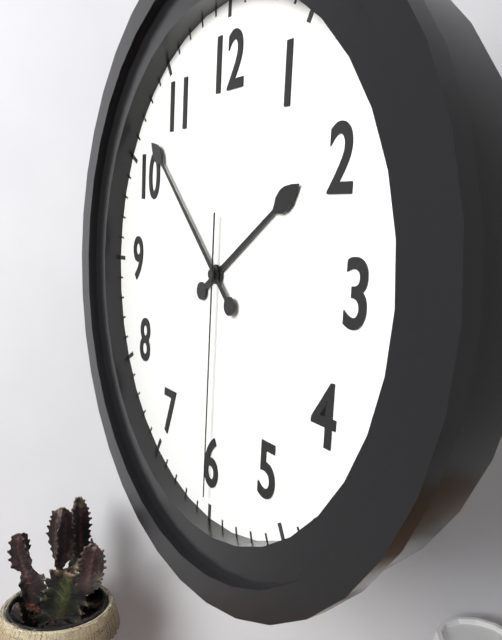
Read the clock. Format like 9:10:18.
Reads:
1:52:30
